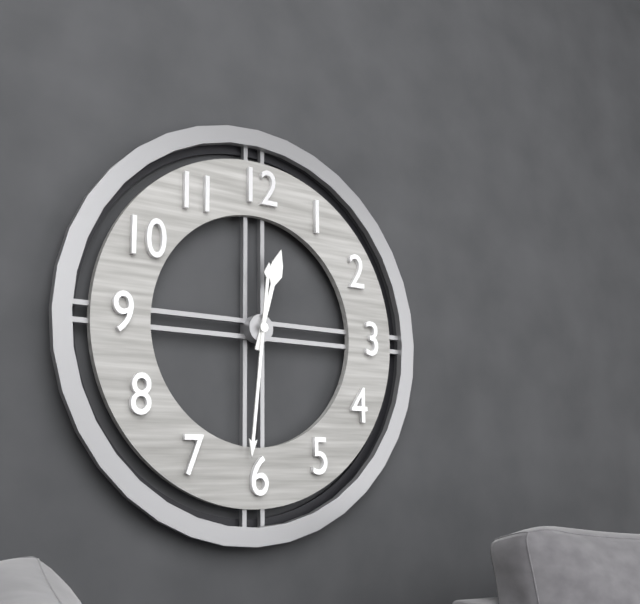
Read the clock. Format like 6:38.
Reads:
12:31
